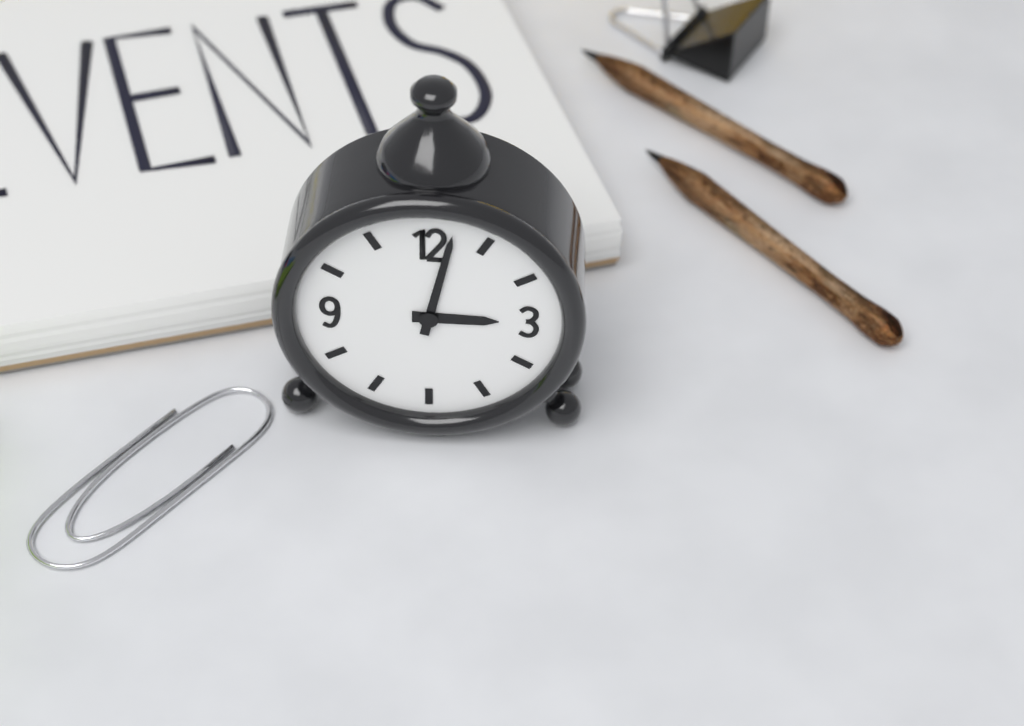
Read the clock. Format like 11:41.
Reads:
3:02
